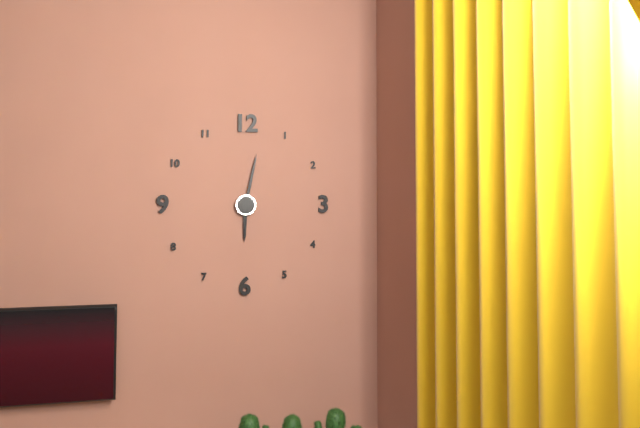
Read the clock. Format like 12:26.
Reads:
6:02
